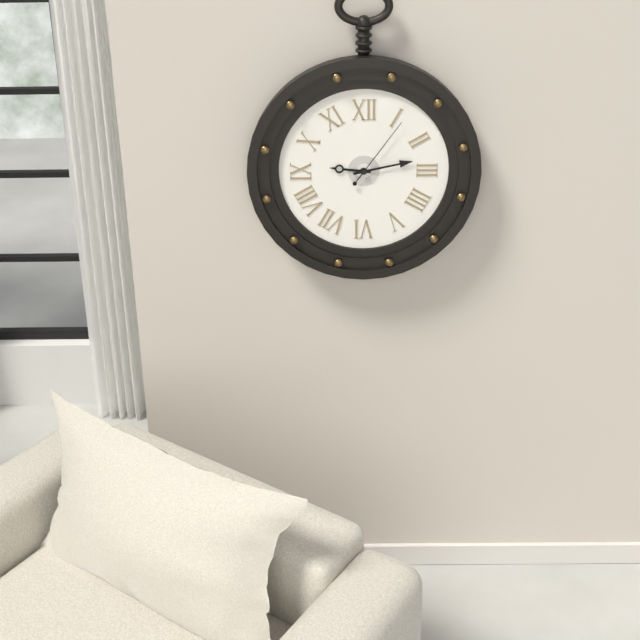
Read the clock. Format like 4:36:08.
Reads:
9:13:06
